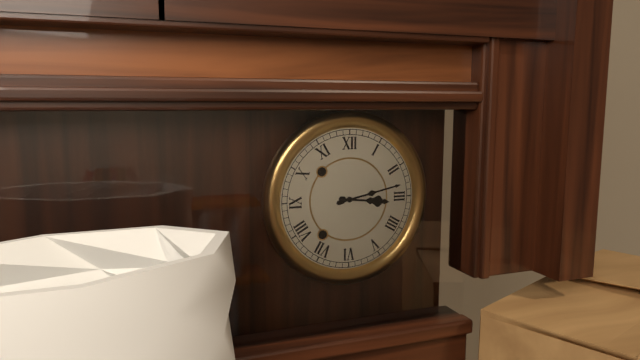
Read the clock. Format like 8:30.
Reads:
3:13
